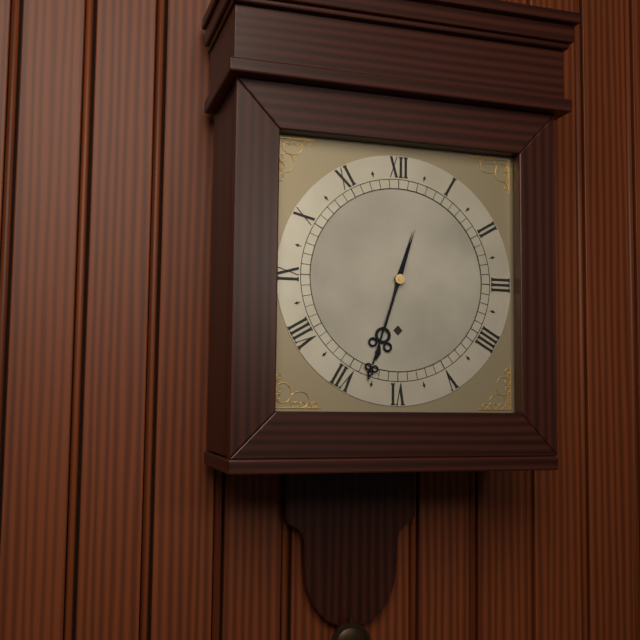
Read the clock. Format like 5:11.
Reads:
6:33
